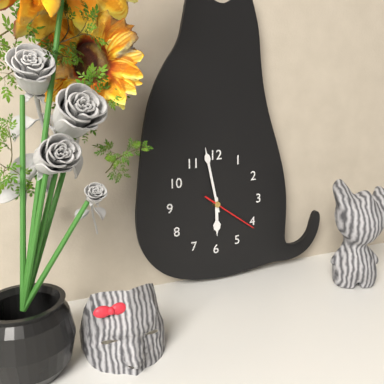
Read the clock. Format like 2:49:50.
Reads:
5:58:21
